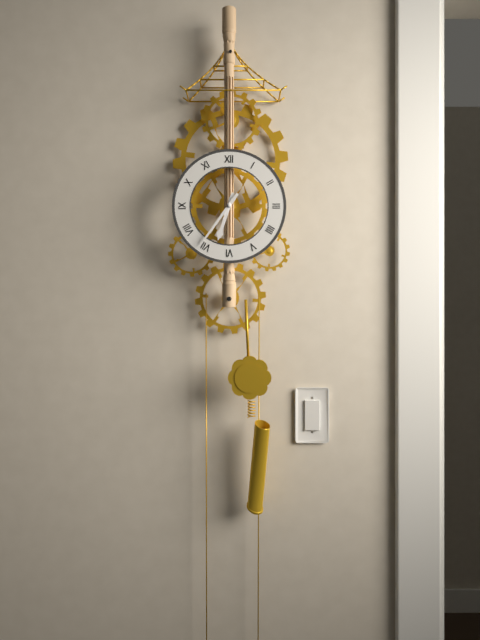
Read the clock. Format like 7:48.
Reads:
6:36
